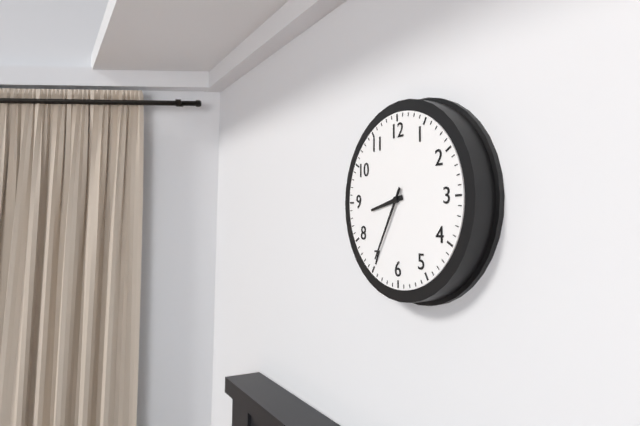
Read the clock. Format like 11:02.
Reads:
8:35
